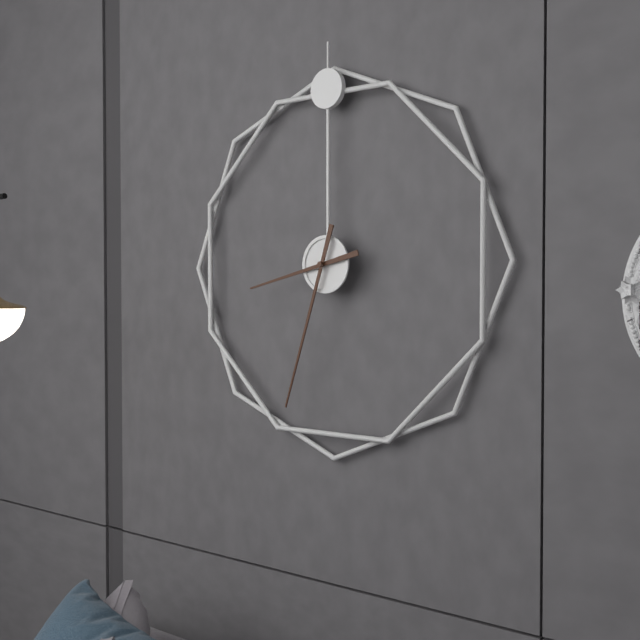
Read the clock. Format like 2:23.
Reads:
8:33
